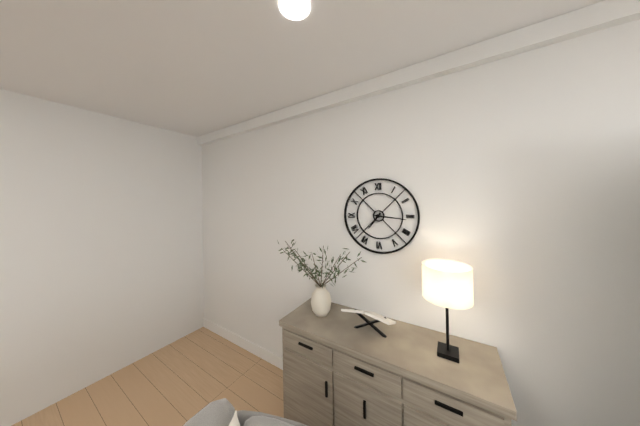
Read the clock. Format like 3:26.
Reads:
7:16
